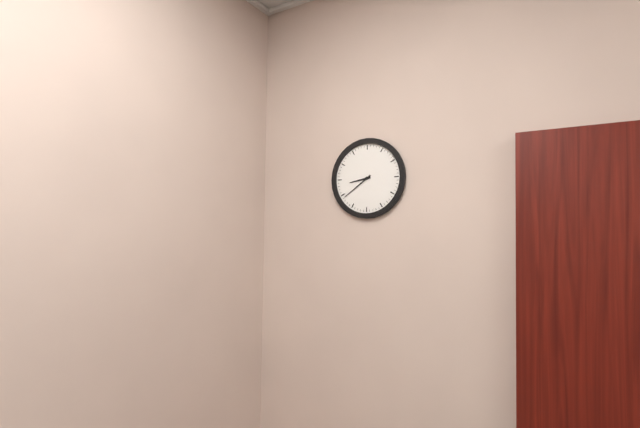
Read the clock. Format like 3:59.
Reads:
8:39
